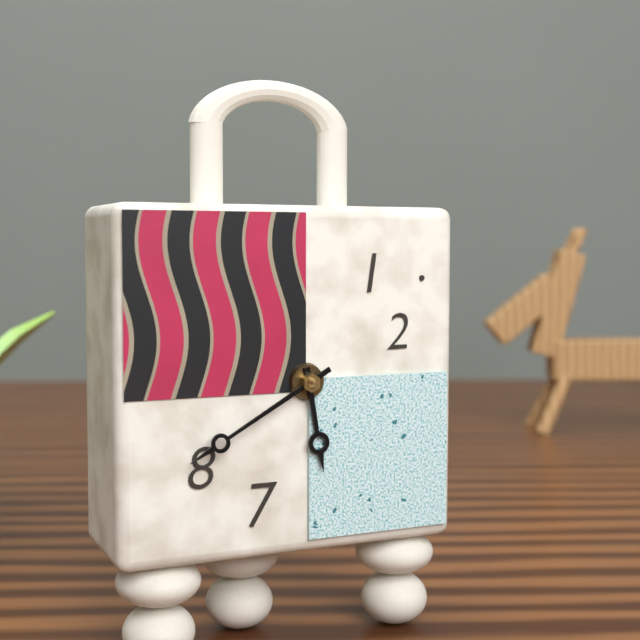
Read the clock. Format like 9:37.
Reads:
5:40
